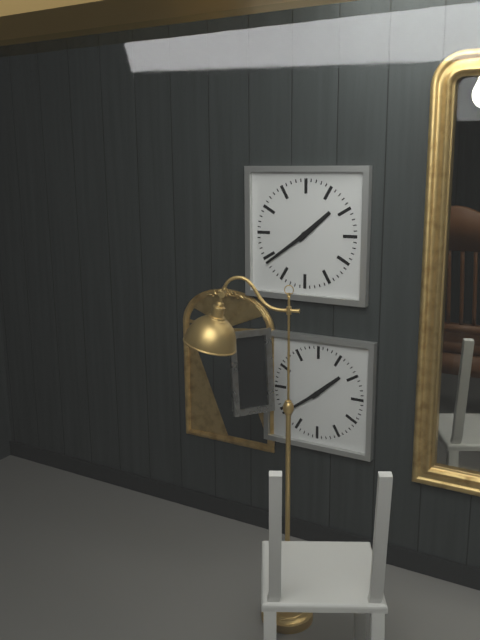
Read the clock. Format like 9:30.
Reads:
1:39
